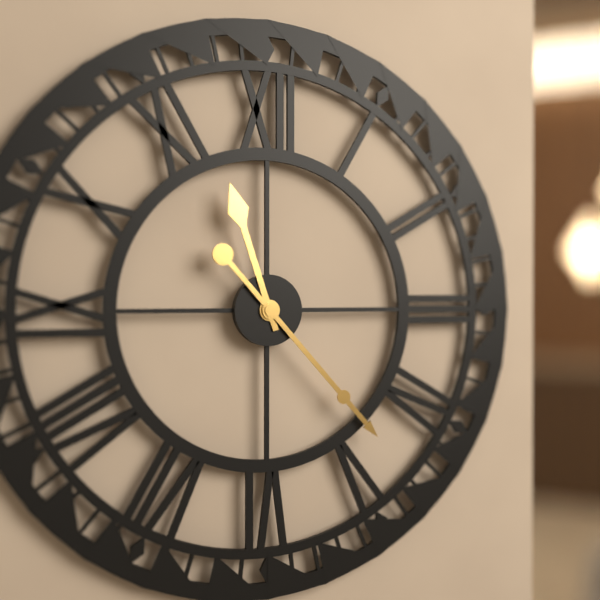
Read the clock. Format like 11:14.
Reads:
11:23
